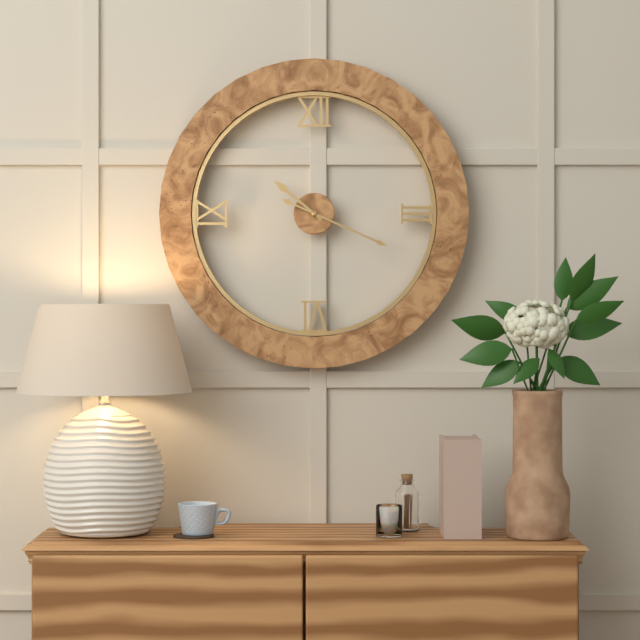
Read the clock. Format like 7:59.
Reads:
10:19
